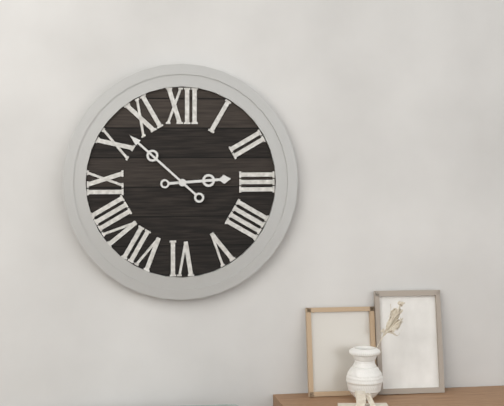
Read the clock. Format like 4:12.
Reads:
2:52
